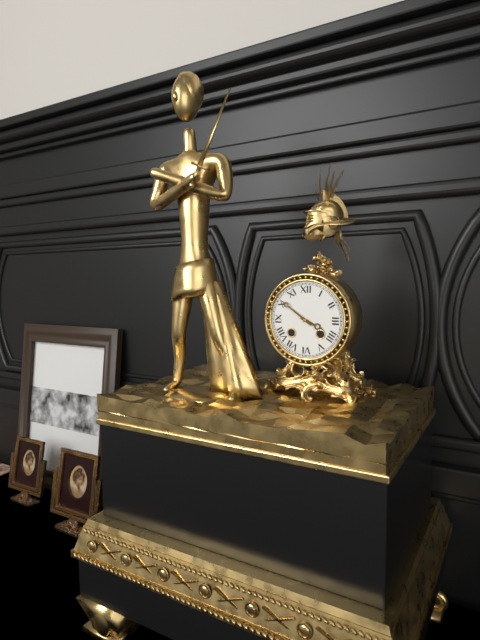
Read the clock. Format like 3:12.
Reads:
3:51
